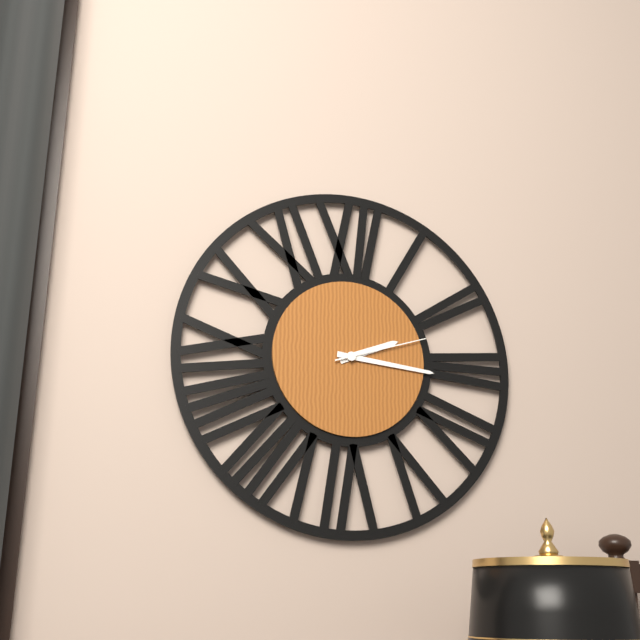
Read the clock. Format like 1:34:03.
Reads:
2:16:12
